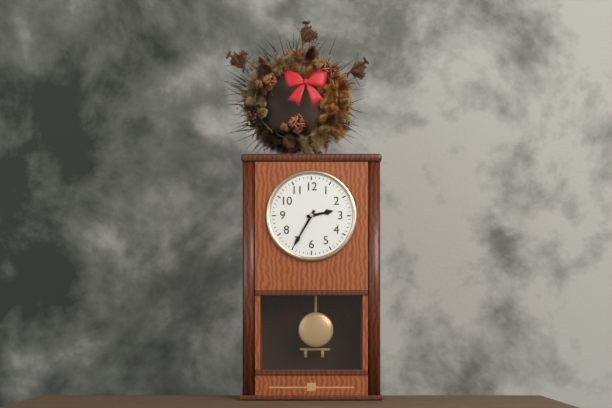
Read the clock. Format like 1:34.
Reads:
2:35
